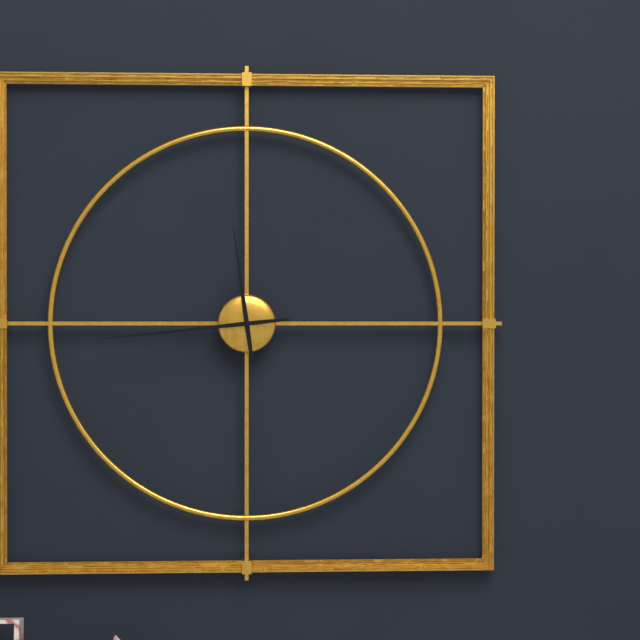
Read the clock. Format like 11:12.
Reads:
11:44
